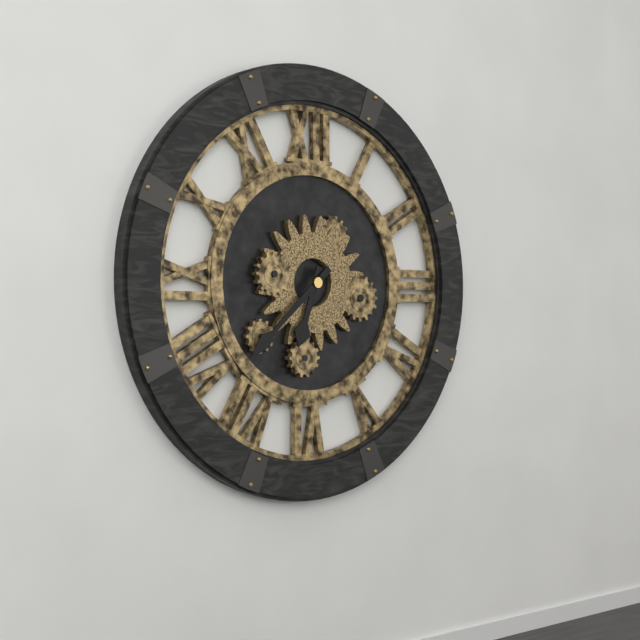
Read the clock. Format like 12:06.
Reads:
6:38
